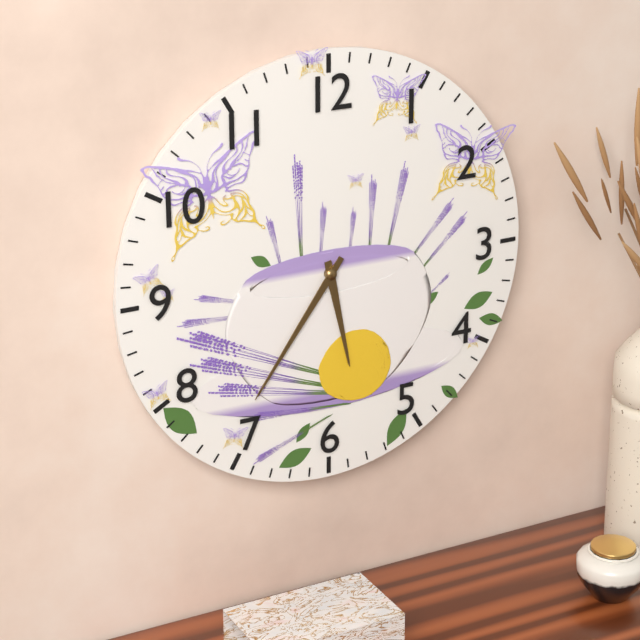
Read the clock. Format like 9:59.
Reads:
5:36
